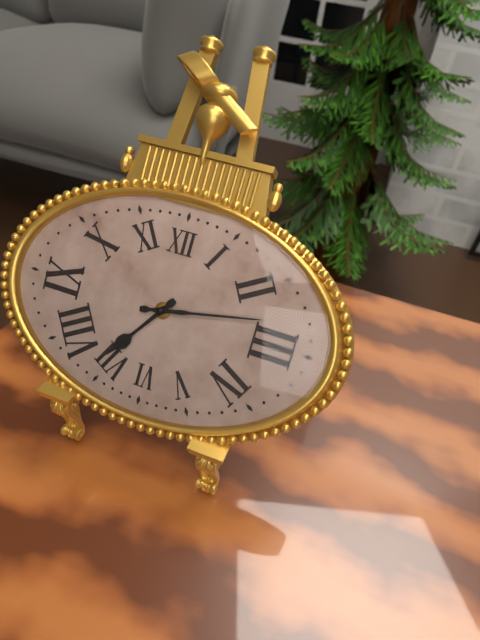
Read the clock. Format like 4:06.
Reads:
7:13
